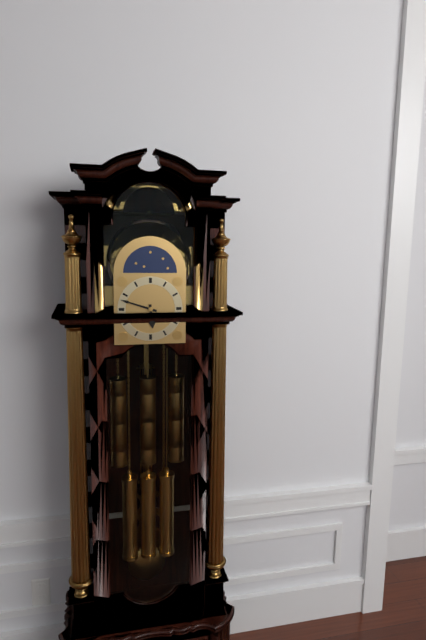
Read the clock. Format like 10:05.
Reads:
5:48
